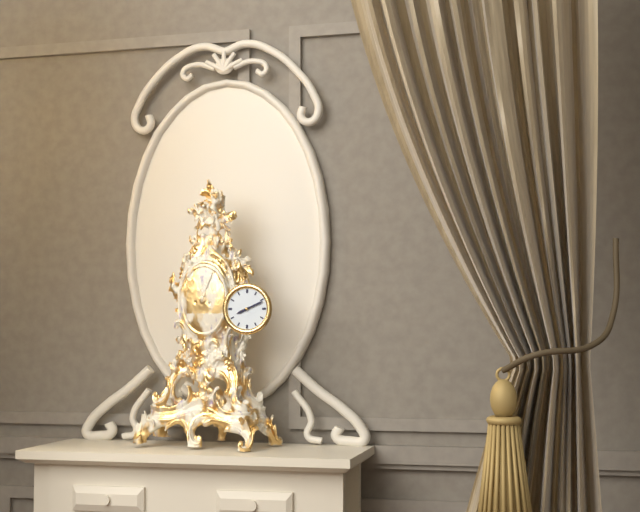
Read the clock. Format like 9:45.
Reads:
8:11
